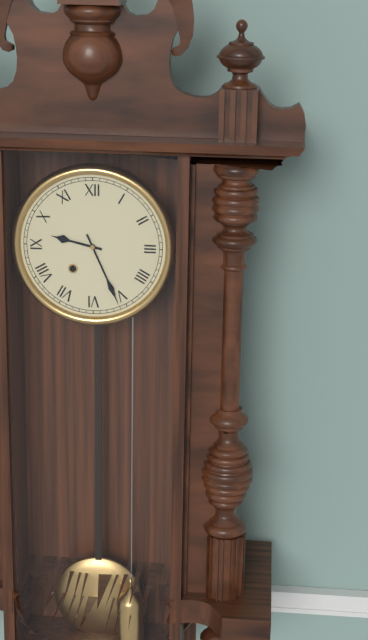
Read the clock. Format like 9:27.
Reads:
9:26
